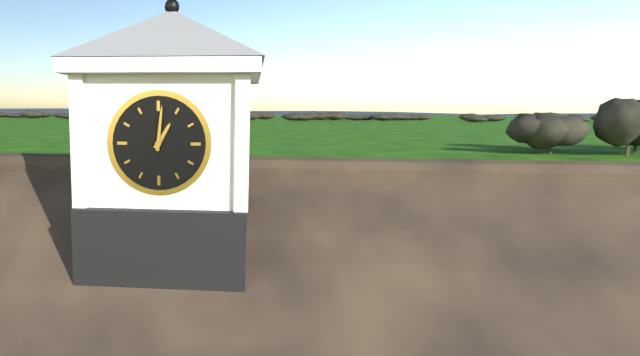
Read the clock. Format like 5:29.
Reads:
1:01
